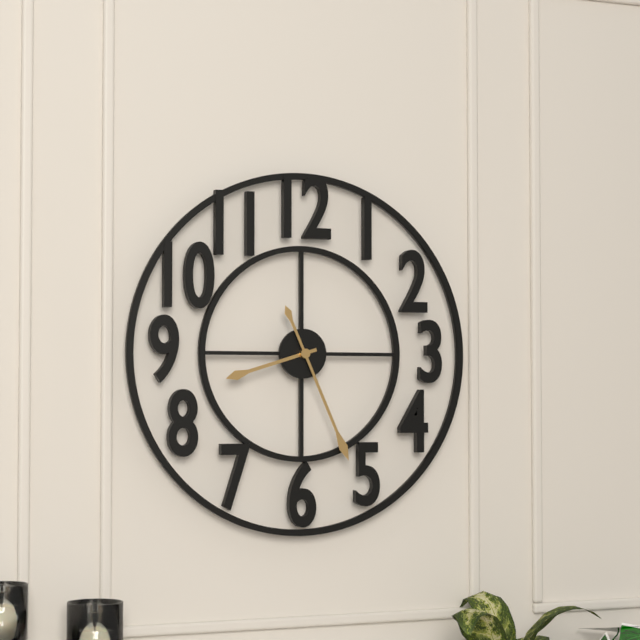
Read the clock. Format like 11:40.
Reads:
8:26
